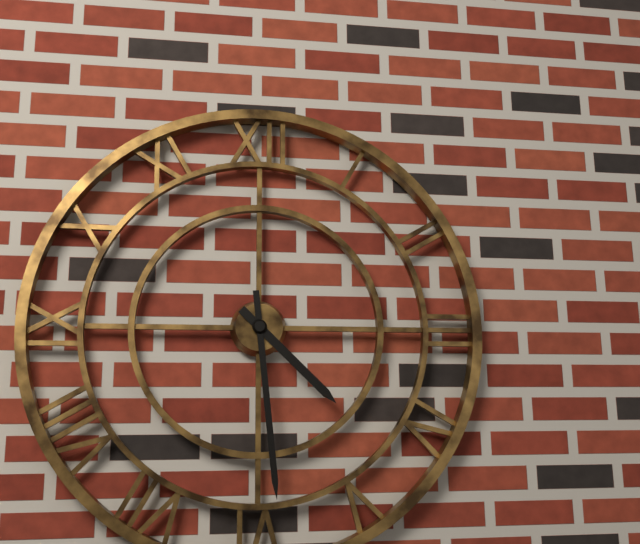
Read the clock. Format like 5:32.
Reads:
4:29
